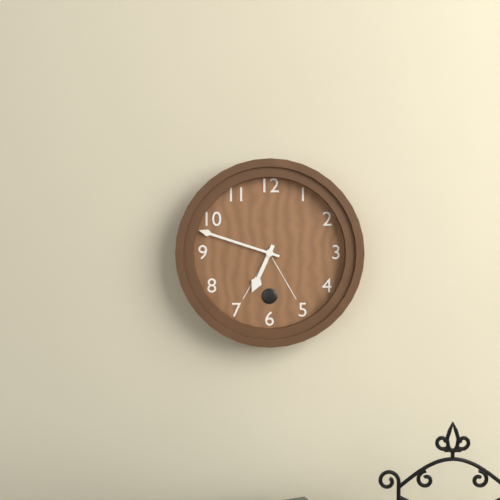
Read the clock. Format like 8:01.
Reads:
6:48
